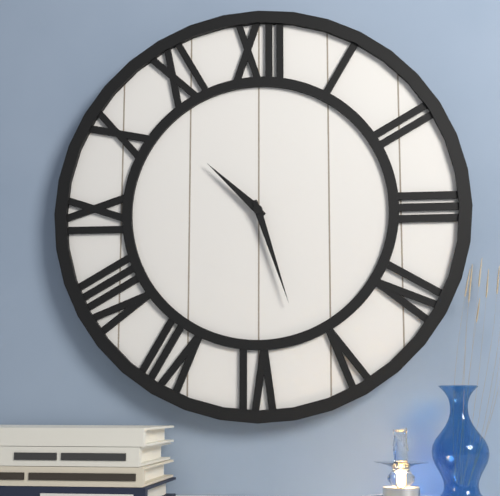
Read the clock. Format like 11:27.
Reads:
10:27
